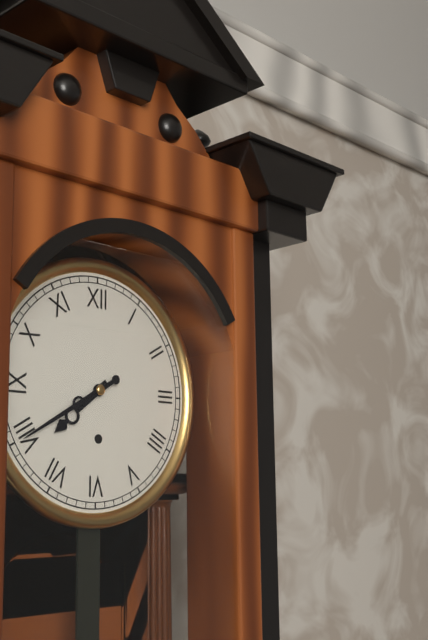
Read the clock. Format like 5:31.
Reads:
7:40
